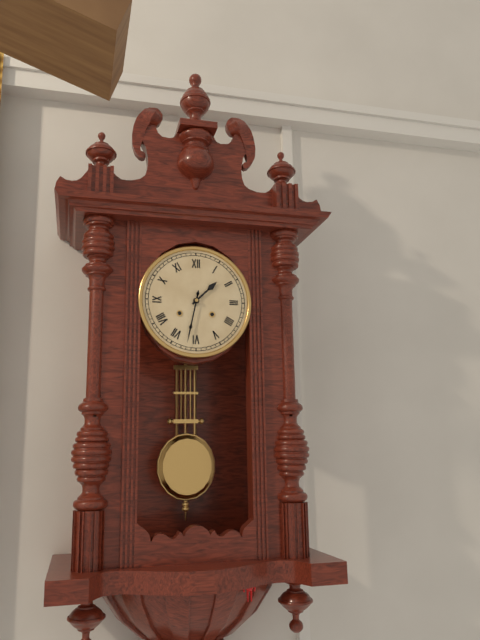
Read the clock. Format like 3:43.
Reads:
1:32
